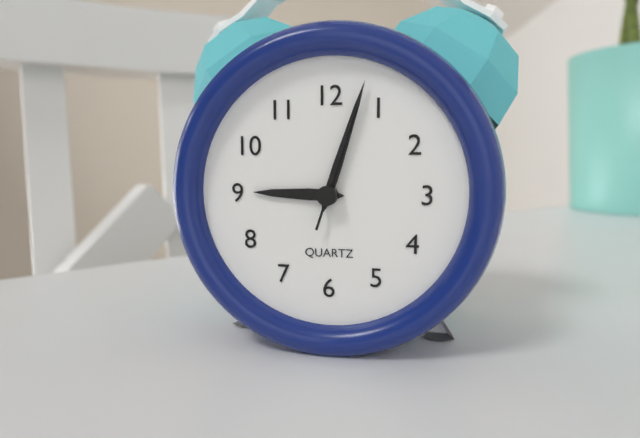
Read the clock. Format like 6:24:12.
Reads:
9:03:03
